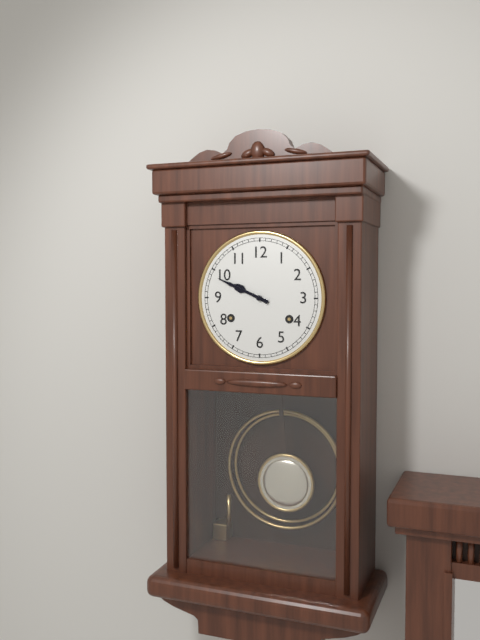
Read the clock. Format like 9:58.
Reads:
9:49
